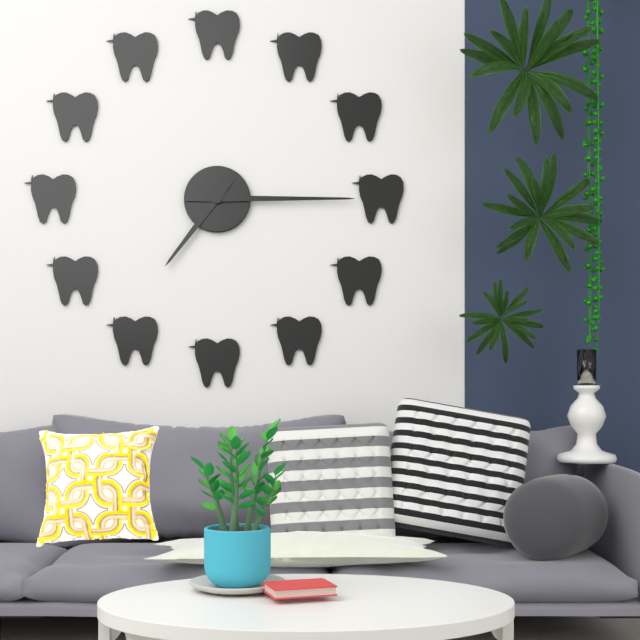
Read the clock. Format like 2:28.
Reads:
7:15
